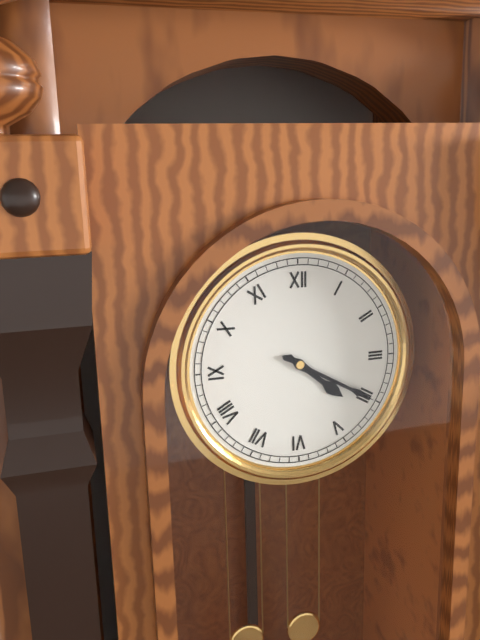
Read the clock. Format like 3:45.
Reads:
4:20
